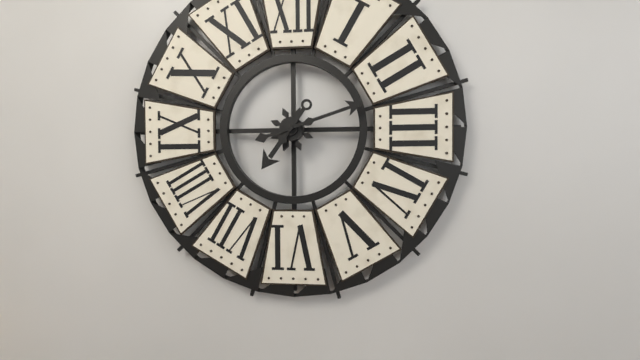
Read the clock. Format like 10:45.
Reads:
7:12
